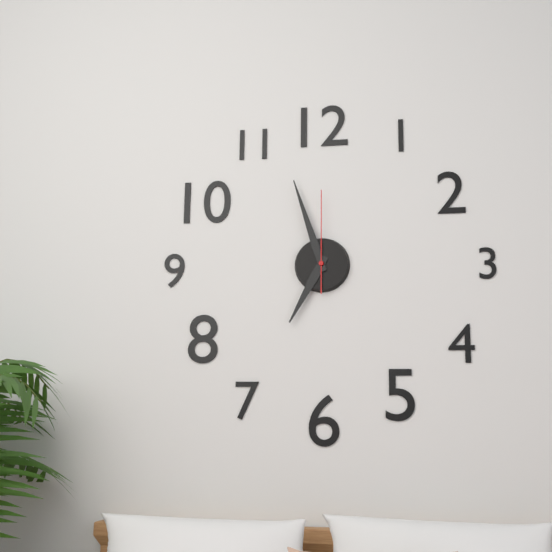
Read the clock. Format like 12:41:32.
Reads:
6:57:00
